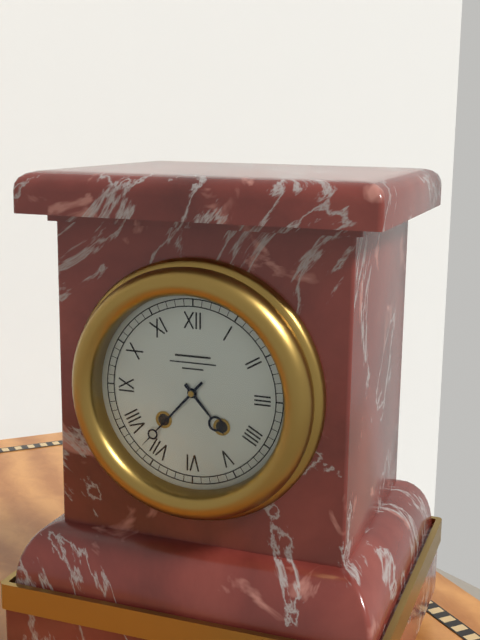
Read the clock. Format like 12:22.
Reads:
4:37
